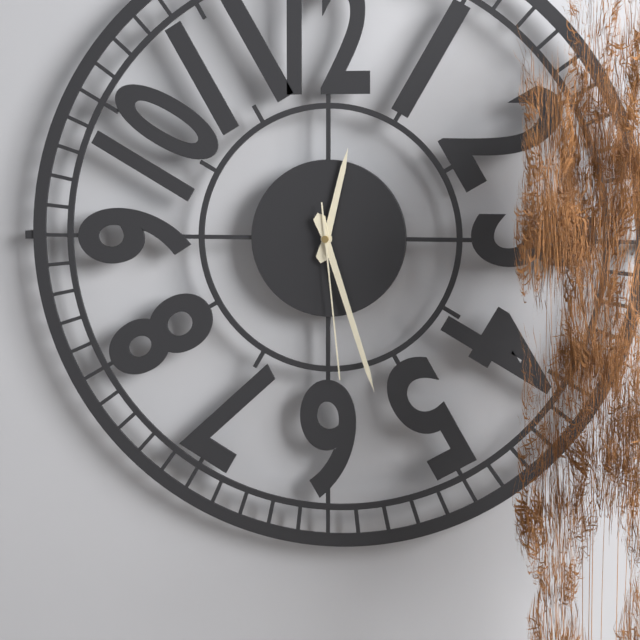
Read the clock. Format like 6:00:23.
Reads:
12:27:29
